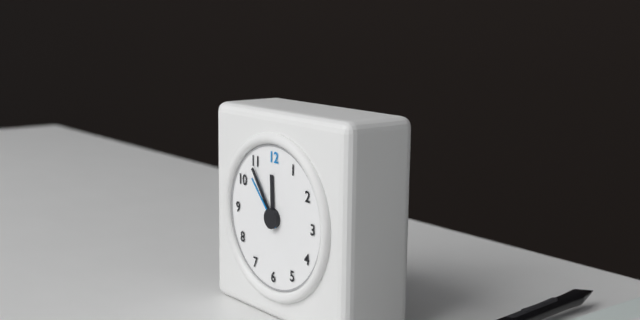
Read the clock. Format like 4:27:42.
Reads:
11:54:53
